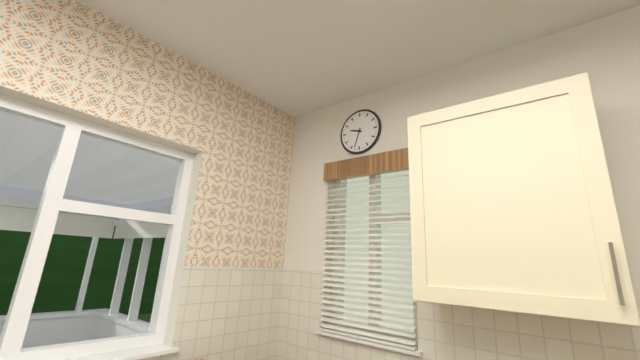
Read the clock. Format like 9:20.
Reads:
9:33
